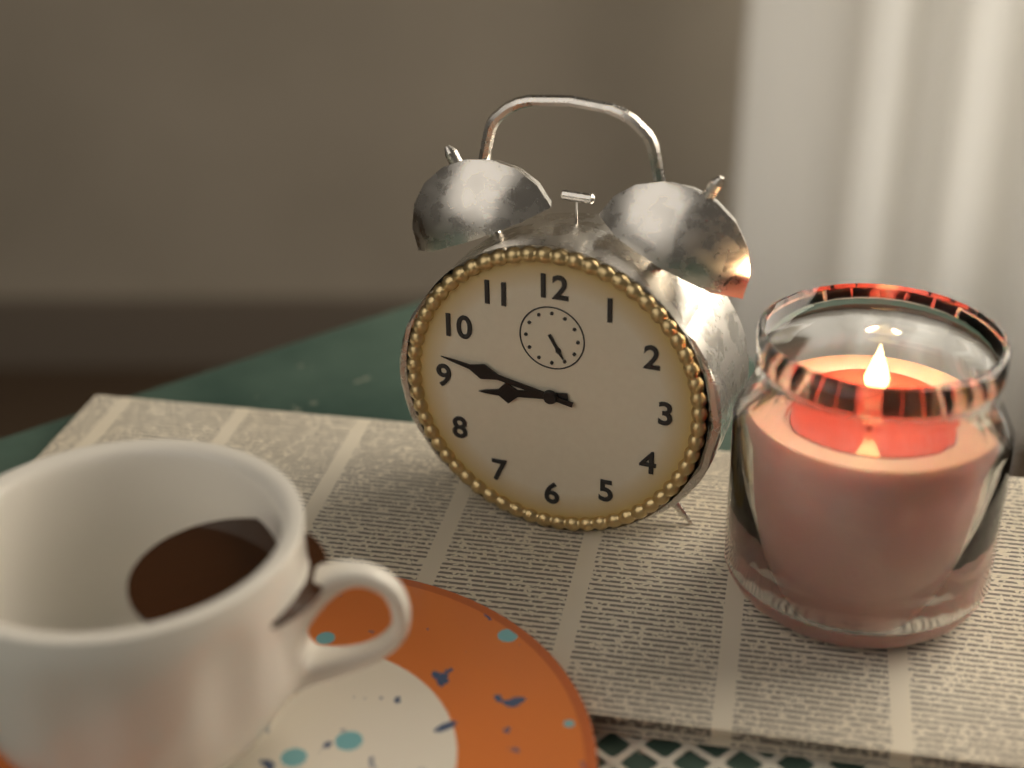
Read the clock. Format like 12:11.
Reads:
8:47
